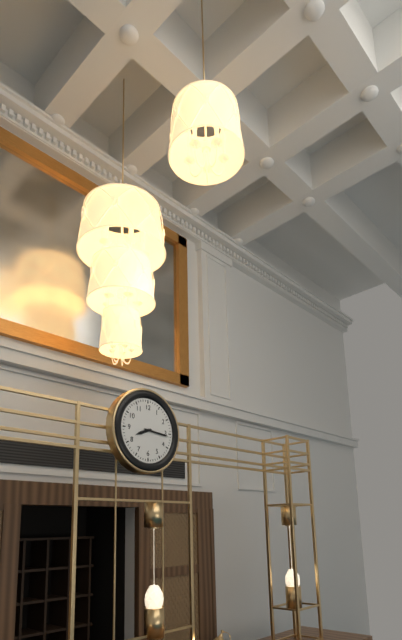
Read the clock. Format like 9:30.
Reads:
8:16
